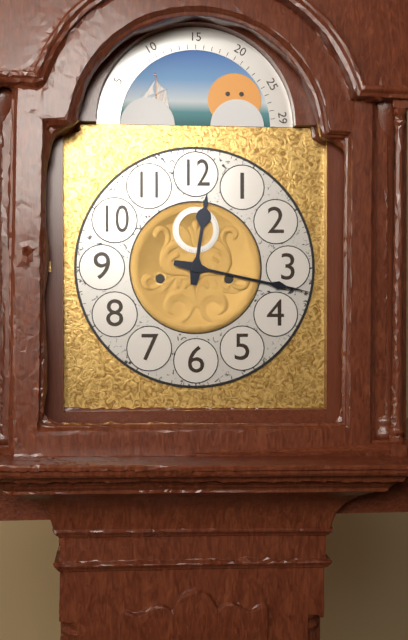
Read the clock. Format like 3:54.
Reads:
12:17
